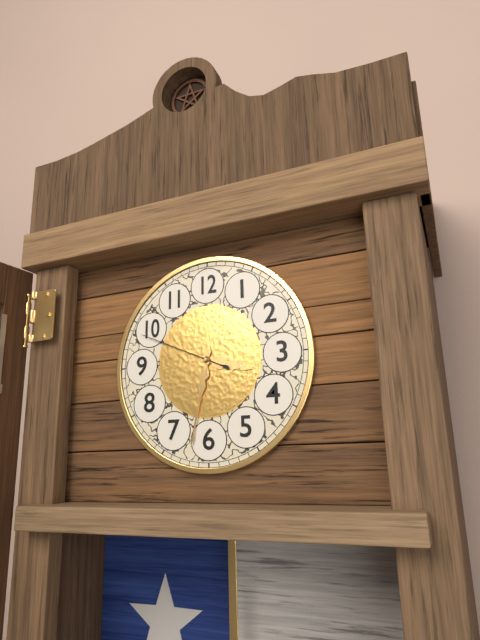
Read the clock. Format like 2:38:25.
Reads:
3:32:49
